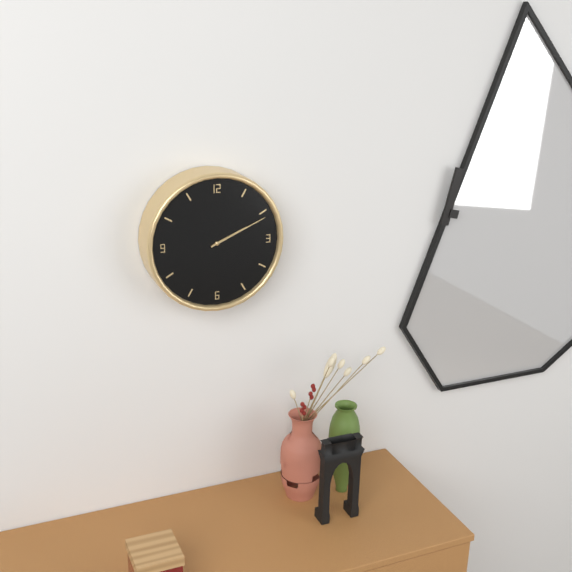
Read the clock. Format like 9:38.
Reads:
2:11
